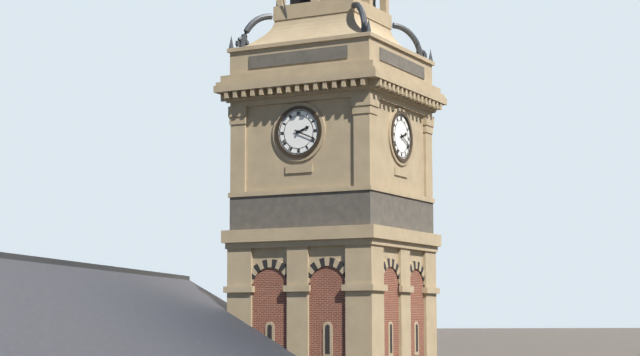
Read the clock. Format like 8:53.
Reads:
2:19
